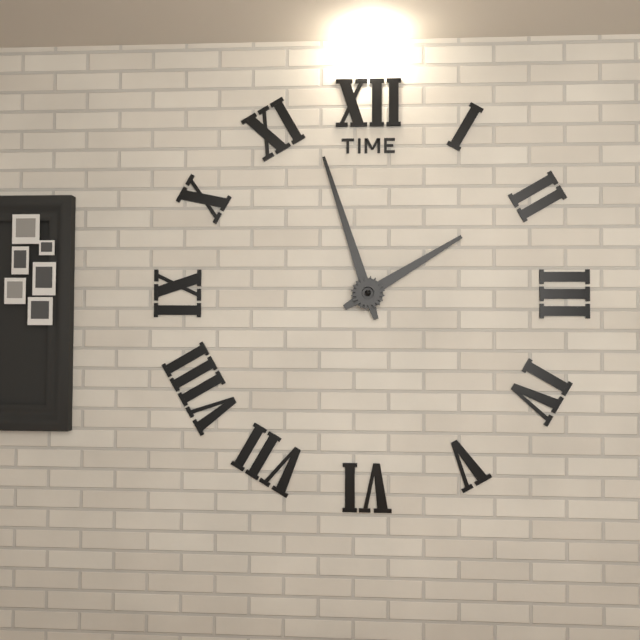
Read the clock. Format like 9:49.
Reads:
1:57
